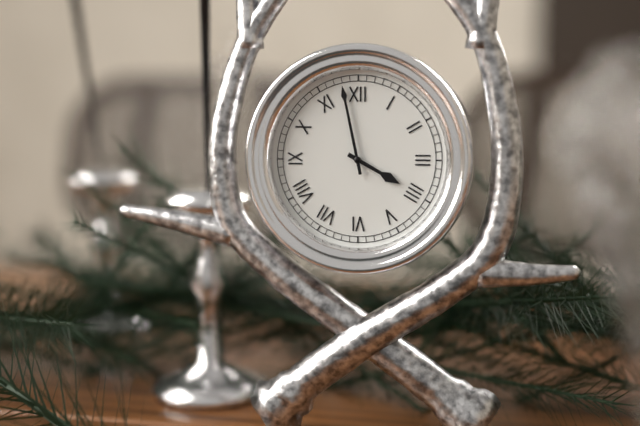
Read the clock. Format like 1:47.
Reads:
3:58
